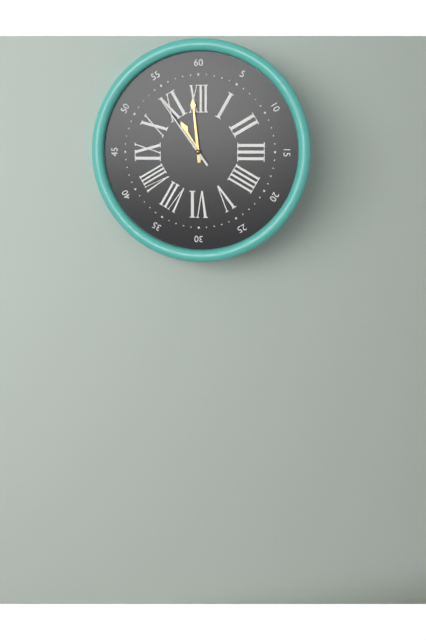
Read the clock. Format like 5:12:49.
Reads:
10:59:54
